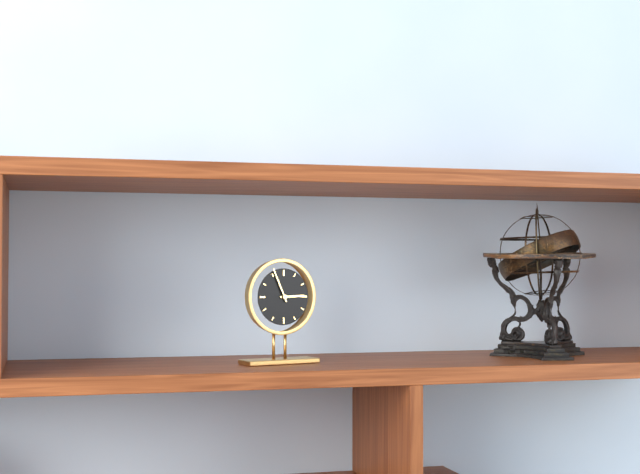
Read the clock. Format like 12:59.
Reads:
2:56
